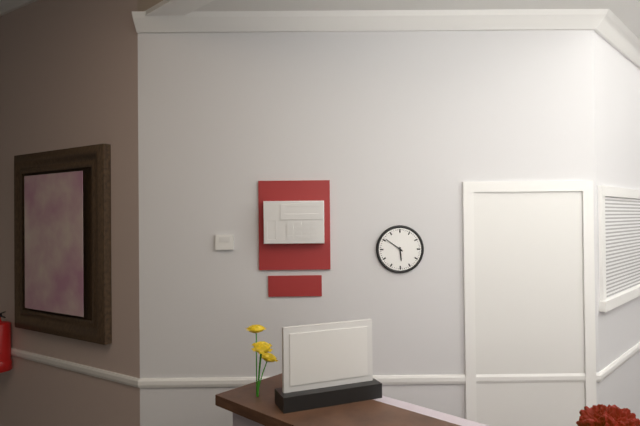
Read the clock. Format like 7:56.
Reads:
5:51
